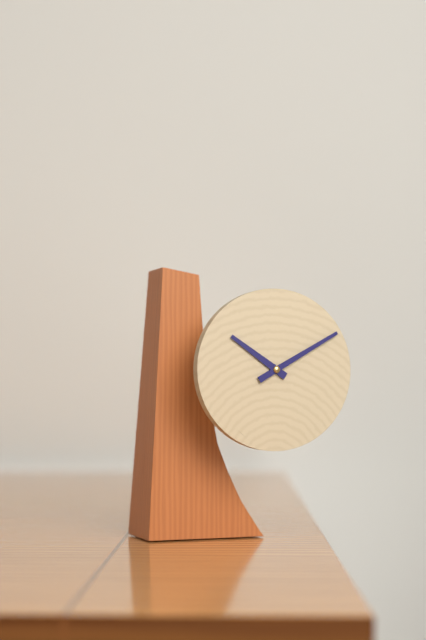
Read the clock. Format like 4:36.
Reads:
10:10
